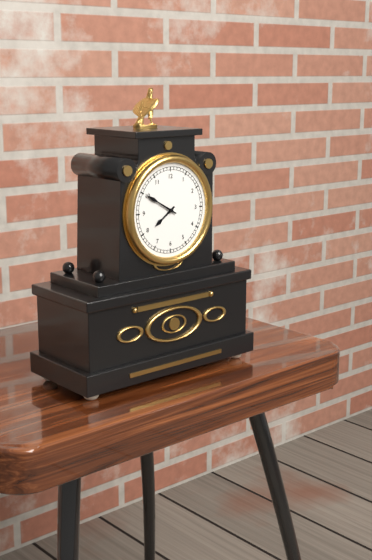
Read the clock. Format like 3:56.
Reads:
7:50
